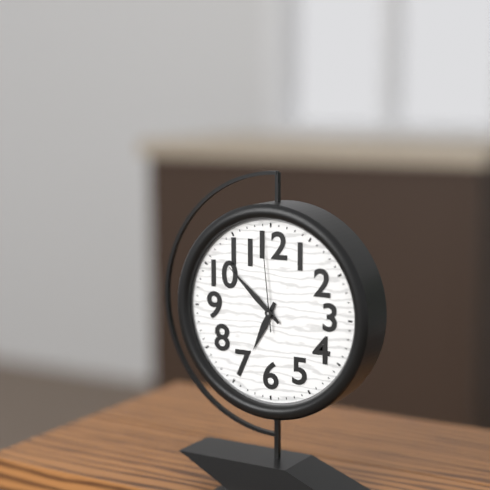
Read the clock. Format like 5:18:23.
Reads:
6:52:59
